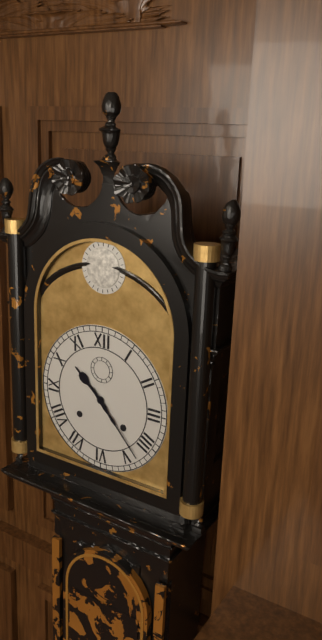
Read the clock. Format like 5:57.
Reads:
10:23
